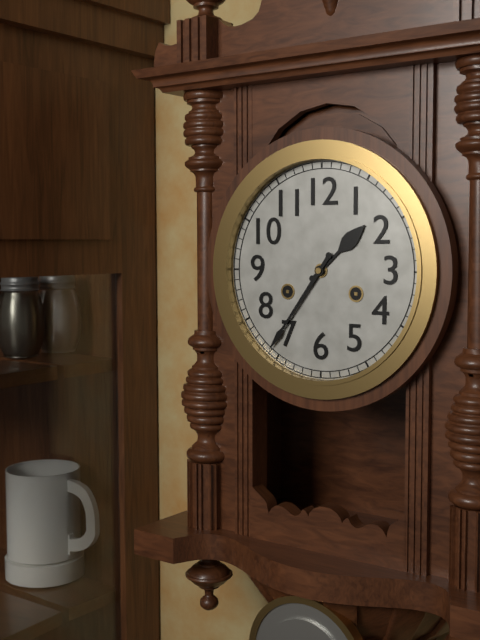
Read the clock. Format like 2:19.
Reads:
1:36
